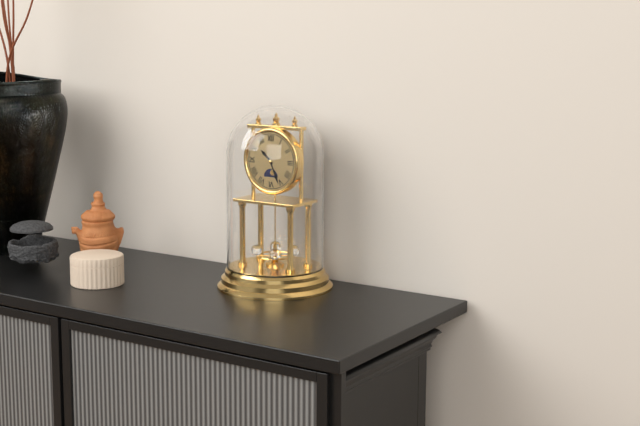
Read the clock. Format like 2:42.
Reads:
10:26
